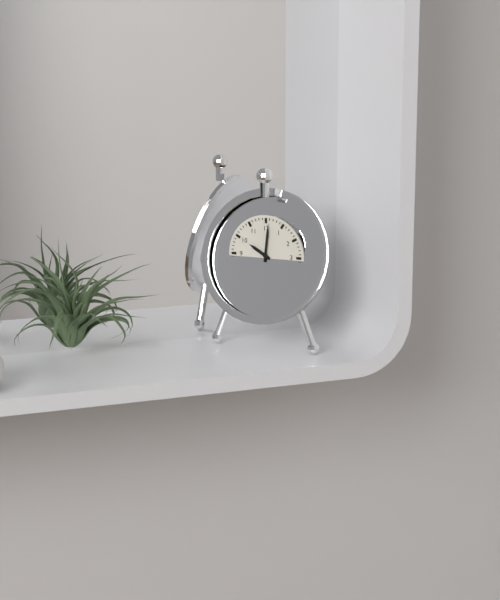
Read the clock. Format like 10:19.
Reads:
10:01
